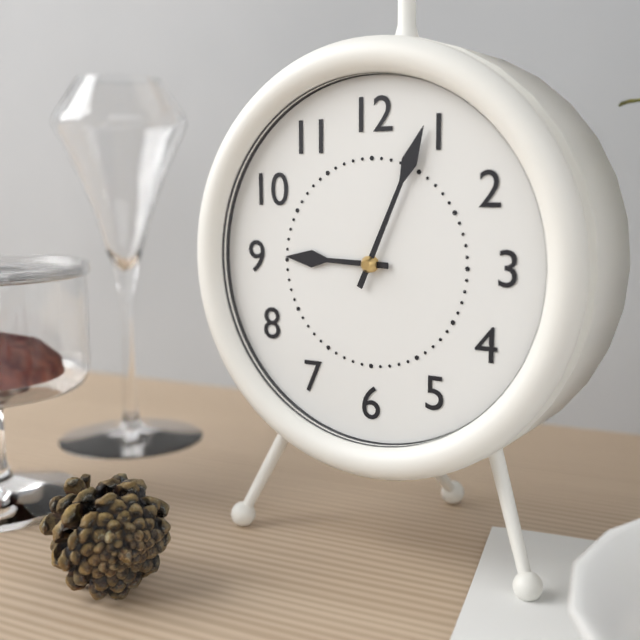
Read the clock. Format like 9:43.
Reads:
9:04
